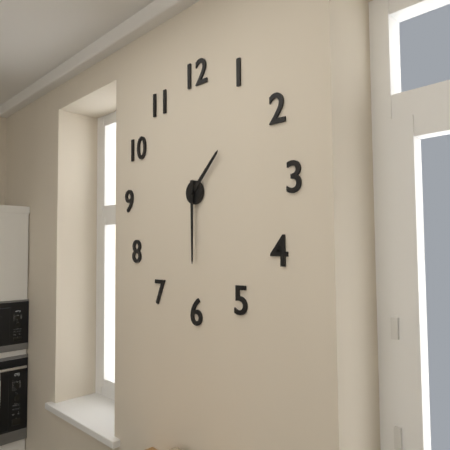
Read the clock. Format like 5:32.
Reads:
1:30
